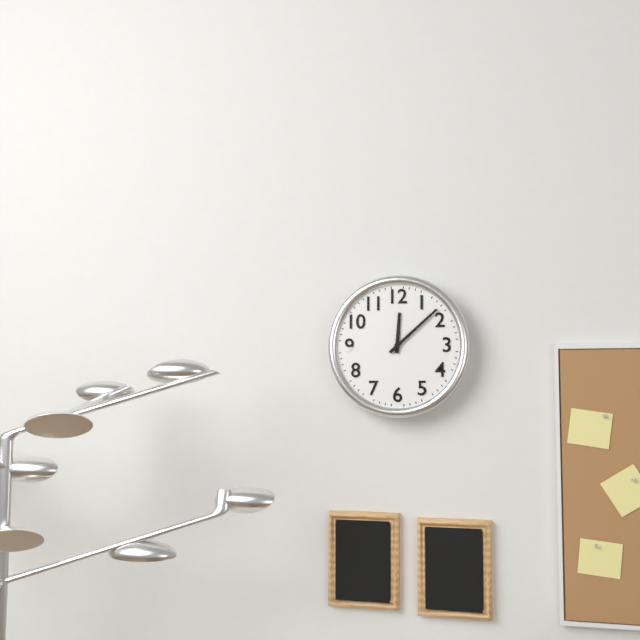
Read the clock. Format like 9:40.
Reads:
12:08
